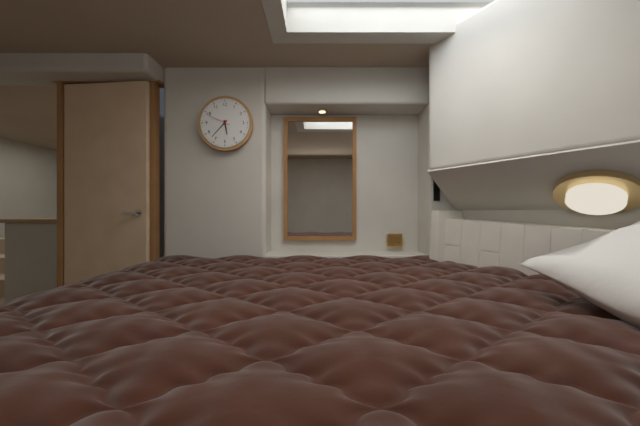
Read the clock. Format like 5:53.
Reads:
5:37
